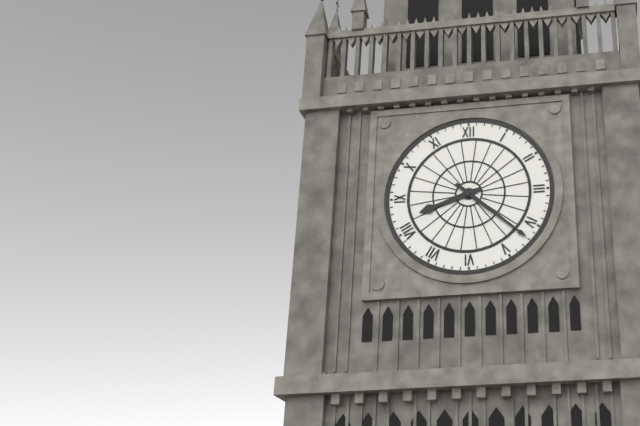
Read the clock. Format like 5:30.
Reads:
8:22
